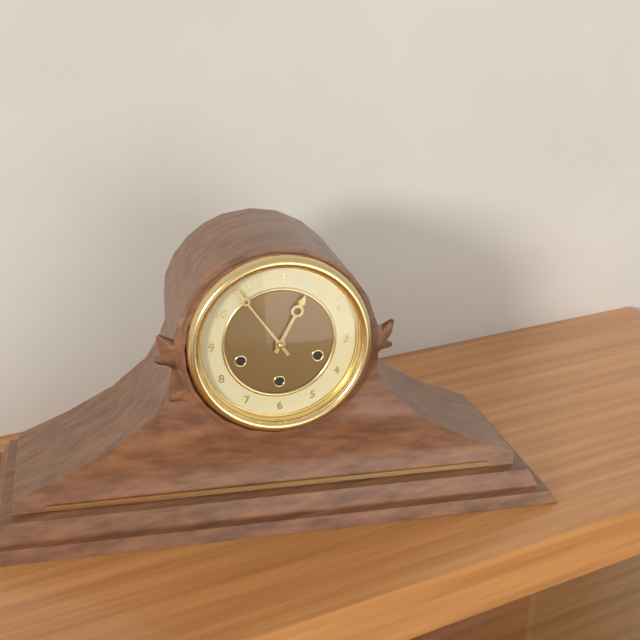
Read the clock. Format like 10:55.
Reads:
12:54
